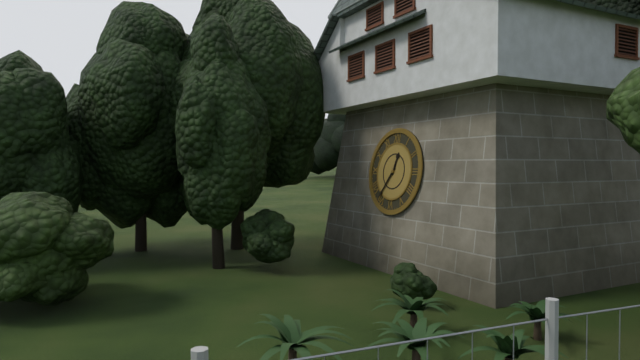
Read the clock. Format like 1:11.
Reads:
12:36
